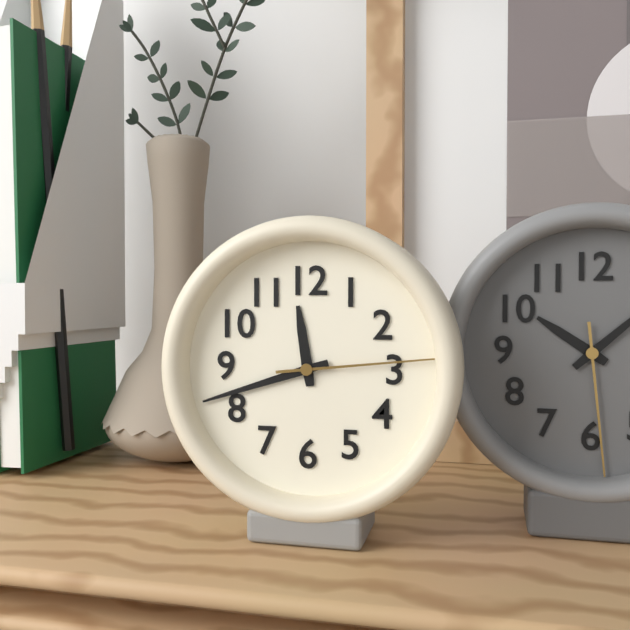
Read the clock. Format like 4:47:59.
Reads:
11:42:14
